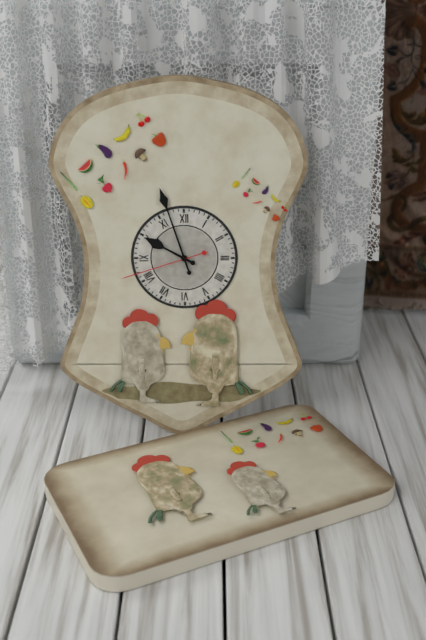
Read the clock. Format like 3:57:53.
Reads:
9:57:42
